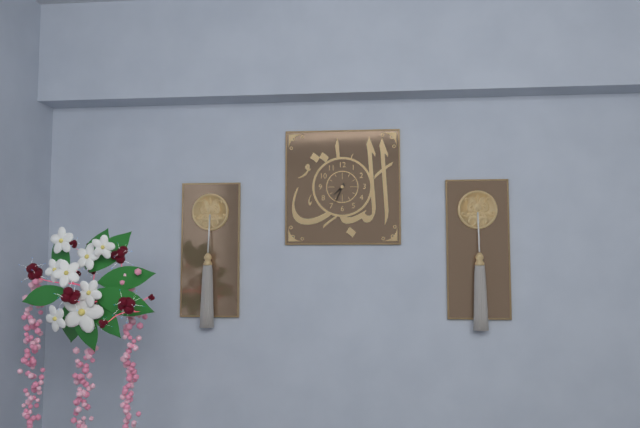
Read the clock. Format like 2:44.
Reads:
7:34
